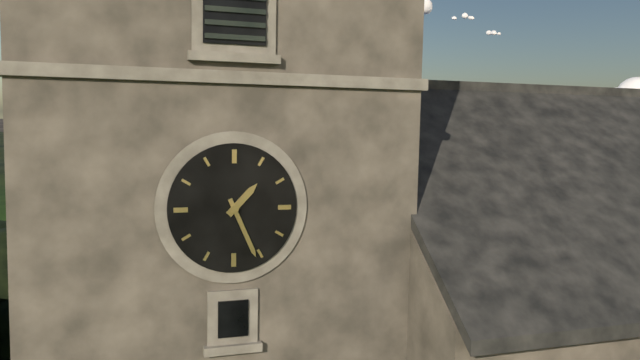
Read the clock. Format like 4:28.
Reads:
1:26
